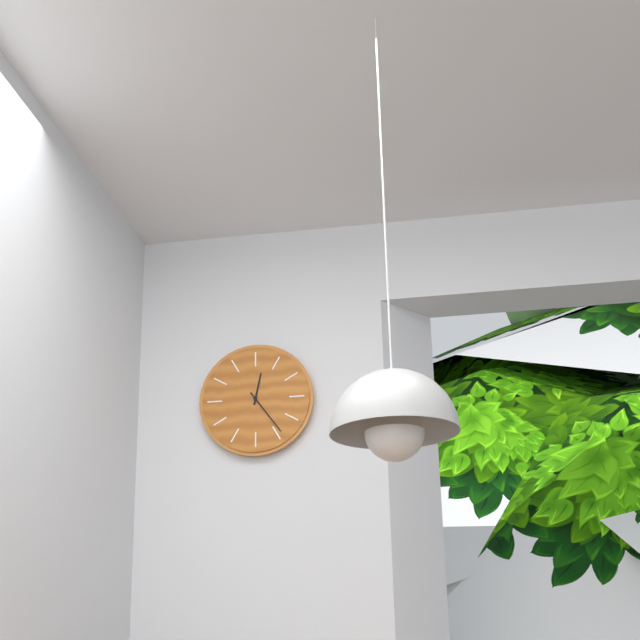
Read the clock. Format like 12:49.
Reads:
12:24
